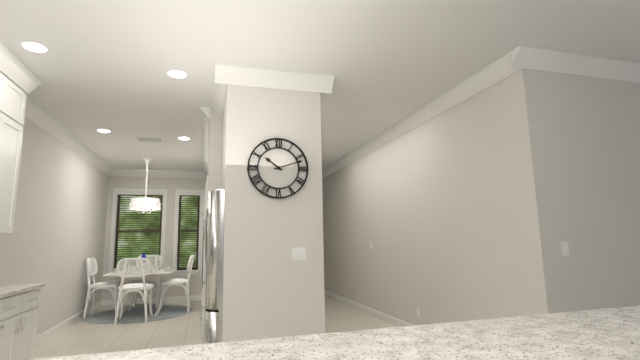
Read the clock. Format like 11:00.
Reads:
10:12
